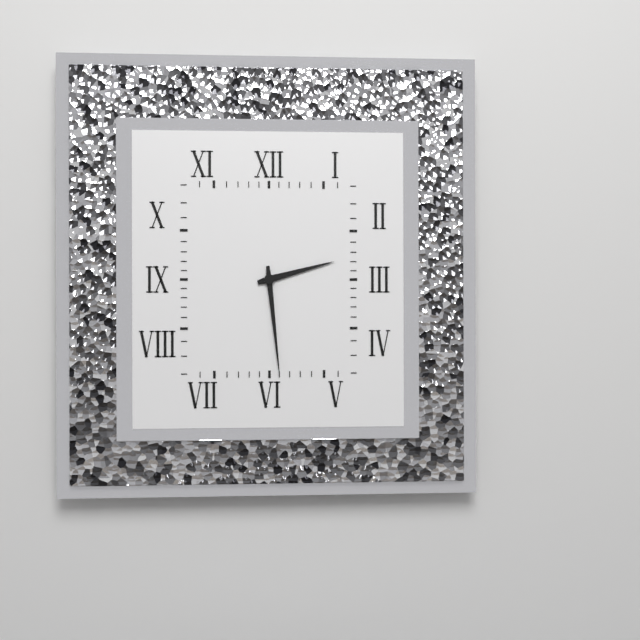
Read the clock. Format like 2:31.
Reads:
2:29
